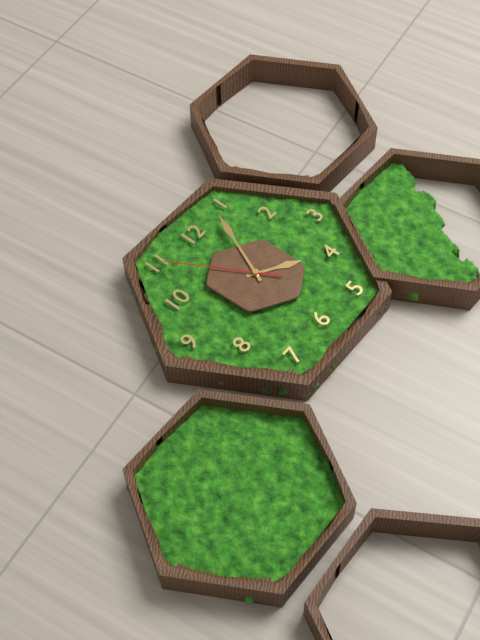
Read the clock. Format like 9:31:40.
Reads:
4:04:55
